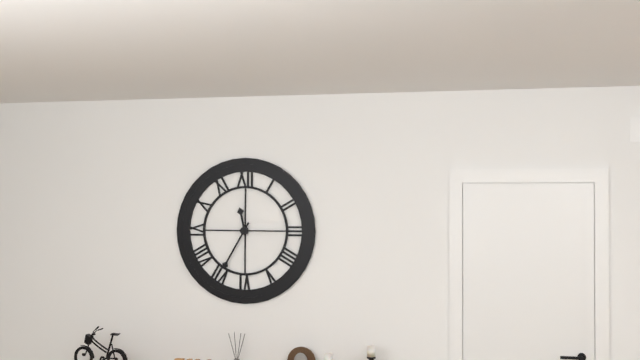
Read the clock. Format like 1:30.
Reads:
11:35
